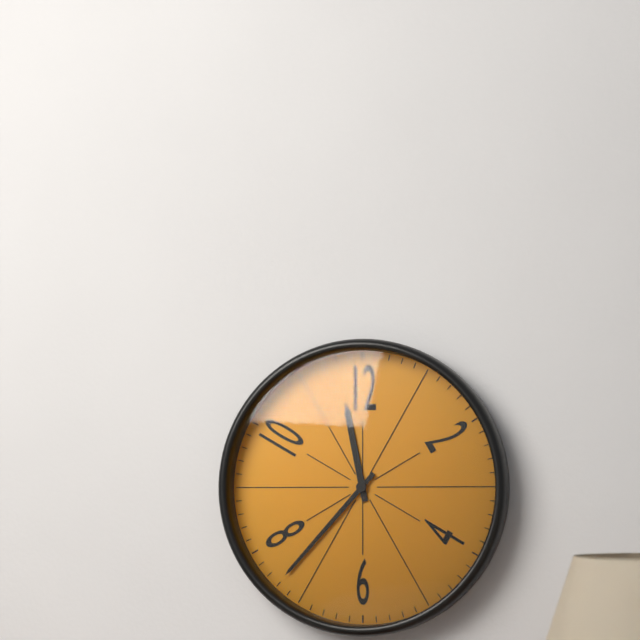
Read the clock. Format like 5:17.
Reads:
11:37
